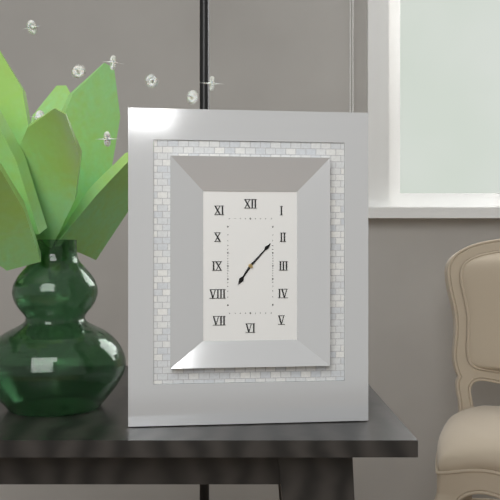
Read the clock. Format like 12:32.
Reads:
7:07
